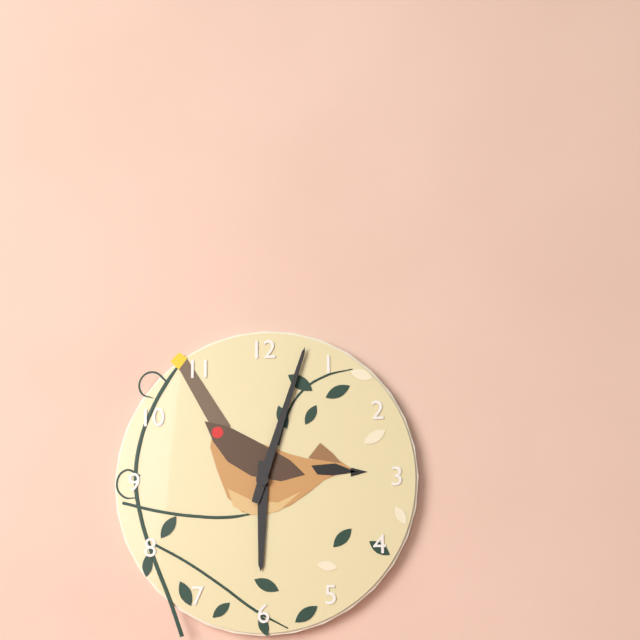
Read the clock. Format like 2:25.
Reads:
6:03
